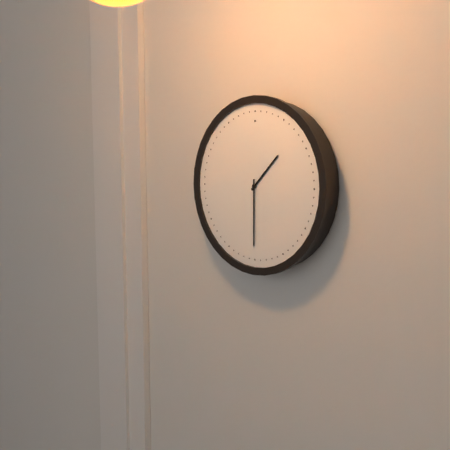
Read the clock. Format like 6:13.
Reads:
1:30
